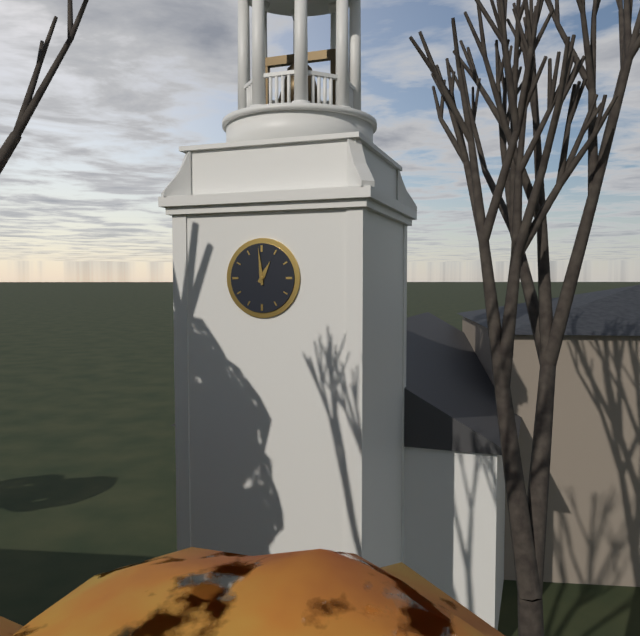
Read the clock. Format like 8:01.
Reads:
12:59
